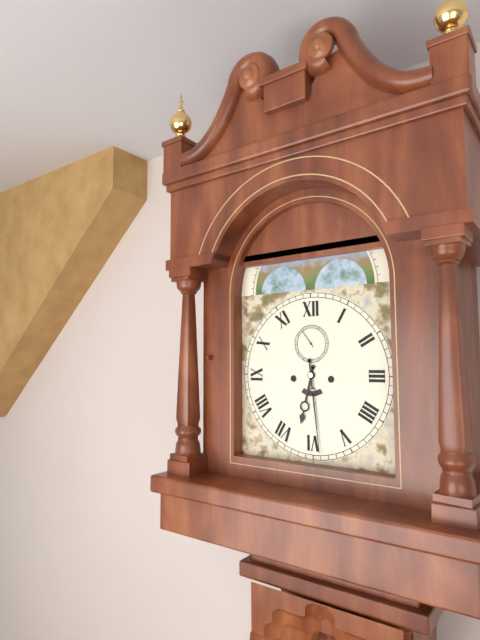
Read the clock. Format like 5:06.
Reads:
6:29
